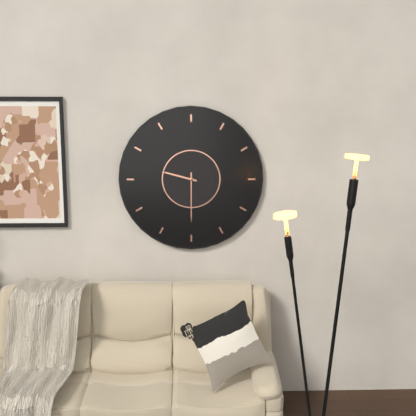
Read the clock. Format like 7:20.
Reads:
9:30
